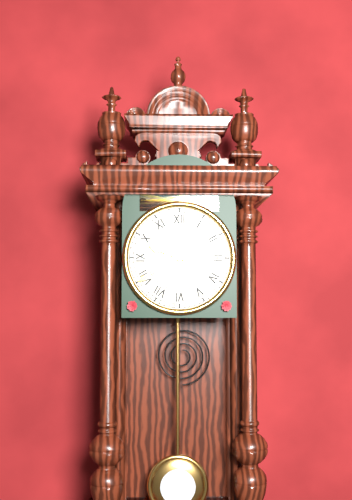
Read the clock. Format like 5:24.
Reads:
9:40
